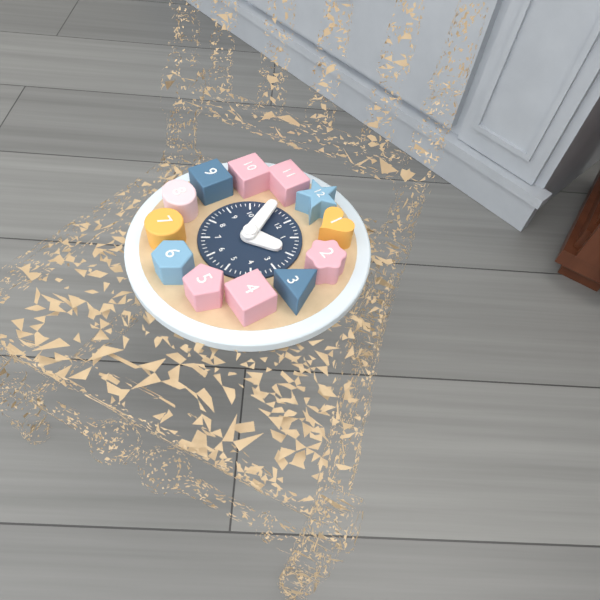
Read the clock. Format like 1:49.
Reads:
1:55
